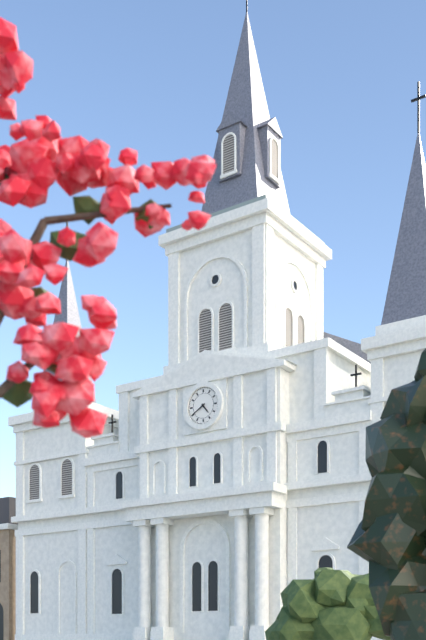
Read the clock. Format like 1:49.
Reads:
4:40
